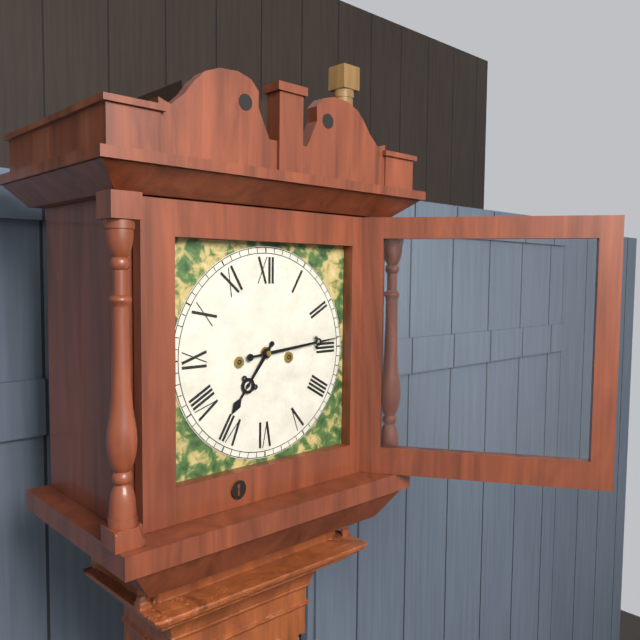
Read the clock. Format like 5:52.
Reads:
7:14
